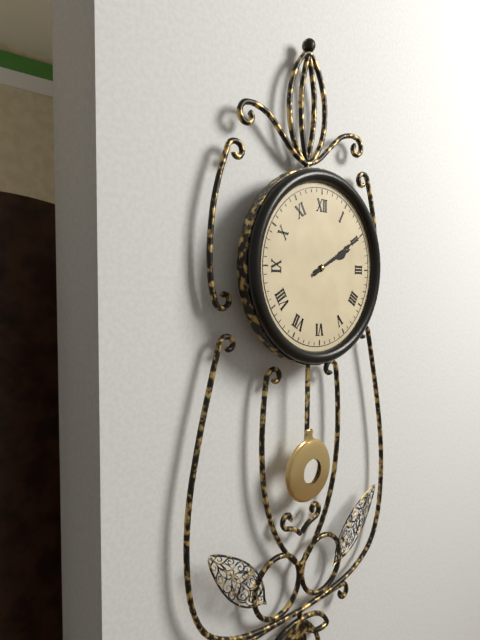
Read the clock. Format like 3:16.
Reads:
2:10
